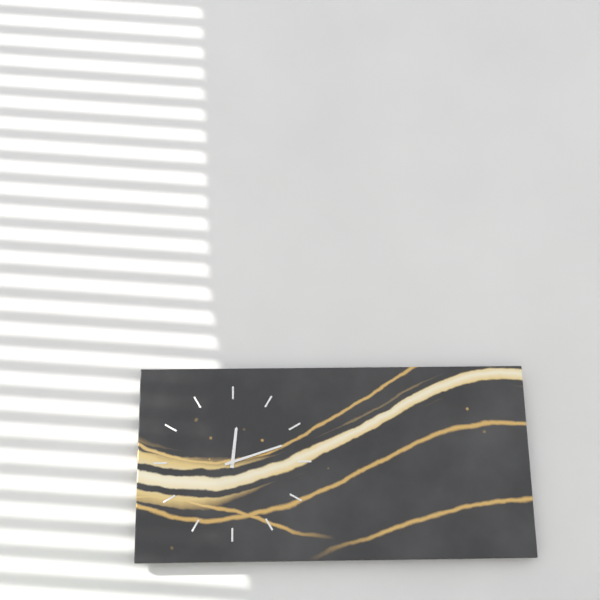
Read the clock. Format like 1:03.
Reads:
12:12
